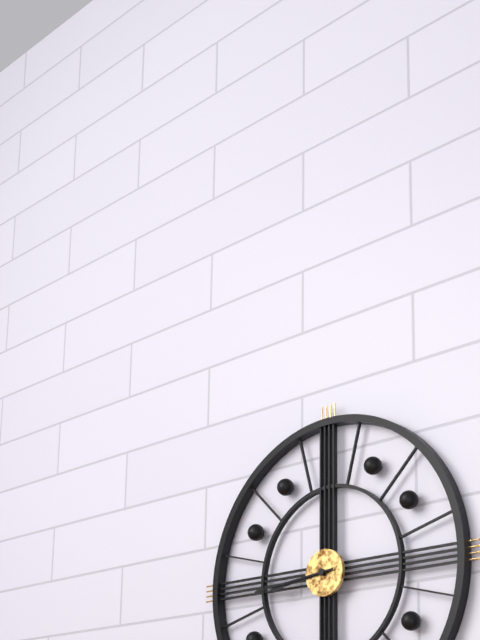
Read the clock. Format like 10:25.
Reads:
8:44
